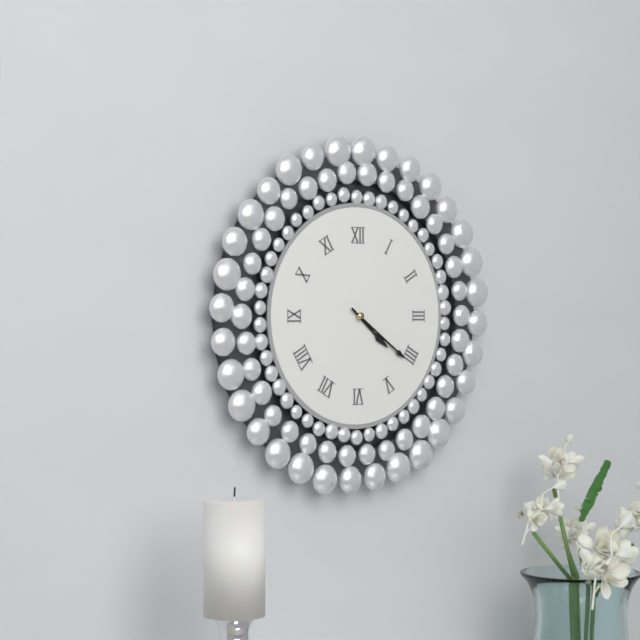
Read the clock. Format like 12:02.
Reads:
4:21
